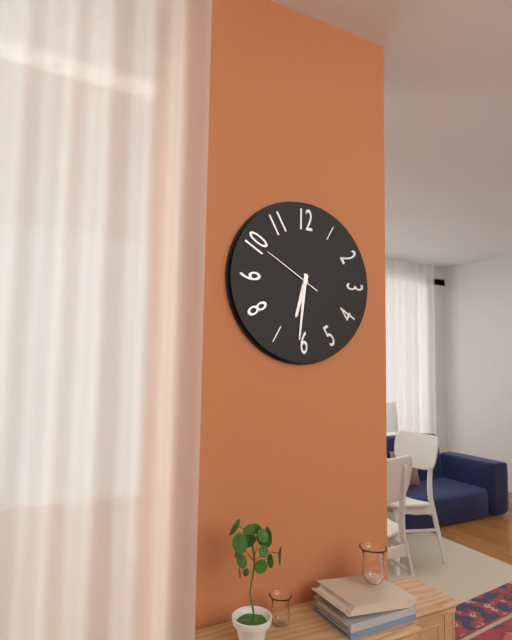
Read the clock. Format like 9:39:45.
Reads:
6:31:50
